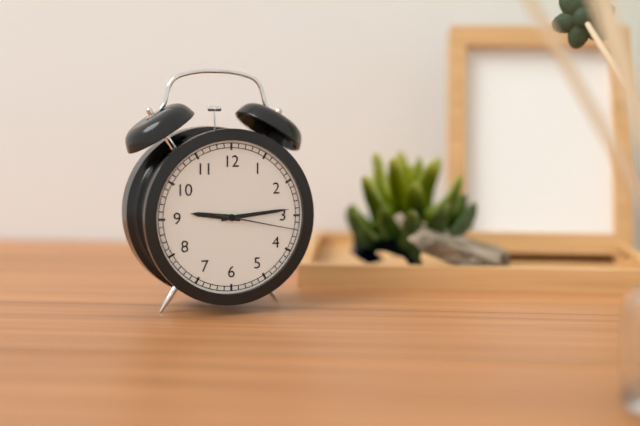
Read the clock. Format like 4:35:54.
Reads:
9:14:17
